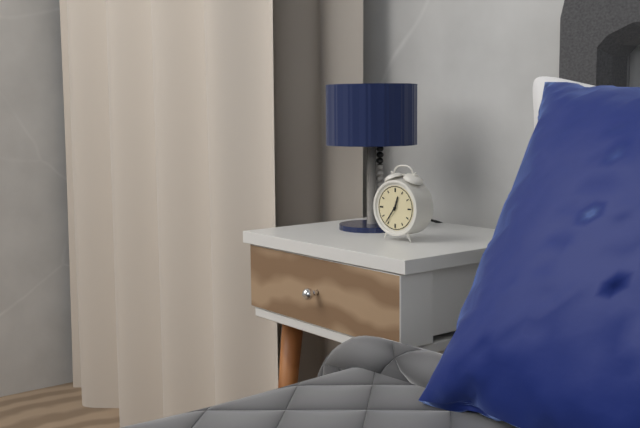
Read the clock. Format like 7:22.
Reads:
12:36
